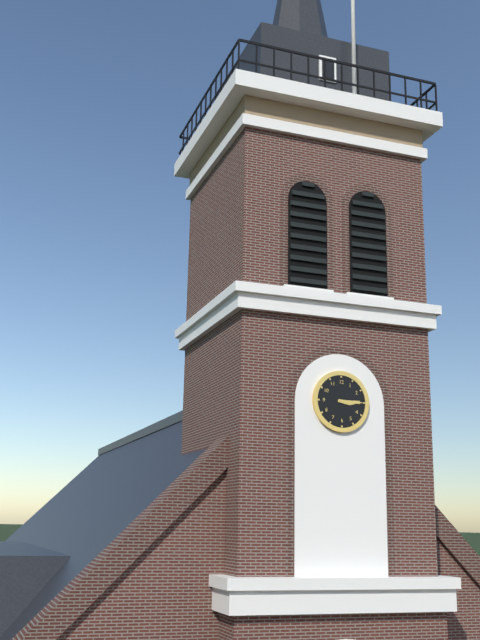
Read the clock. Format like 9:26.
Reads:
3:15
